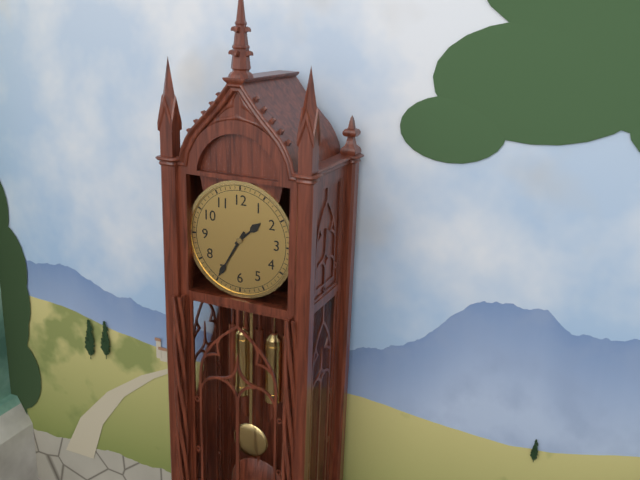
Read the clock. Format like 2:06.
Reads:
1:35
